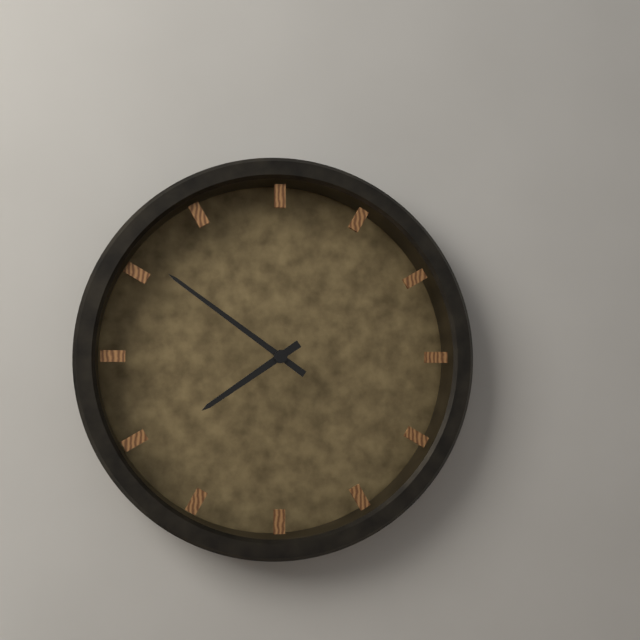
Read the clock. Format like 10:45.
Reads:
7:51
